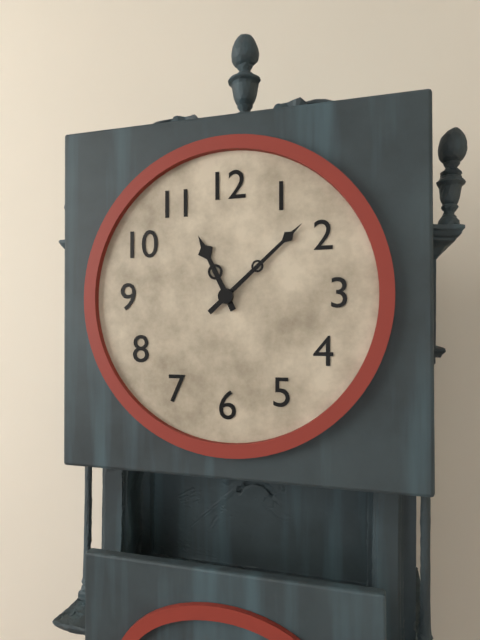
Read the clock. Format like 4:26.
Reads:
11:08
